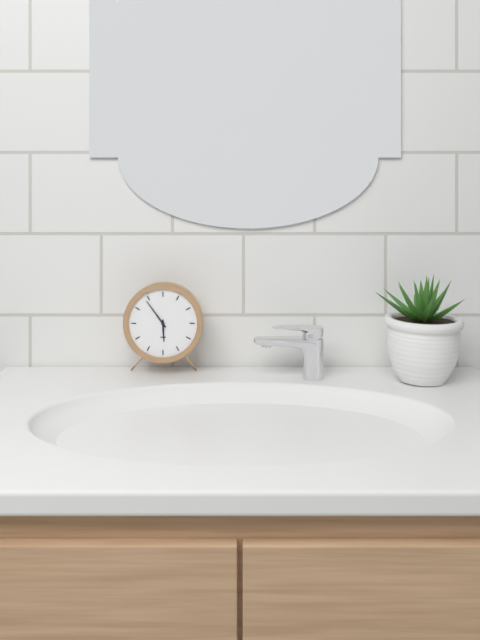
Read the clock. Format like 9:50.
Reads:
5:54
